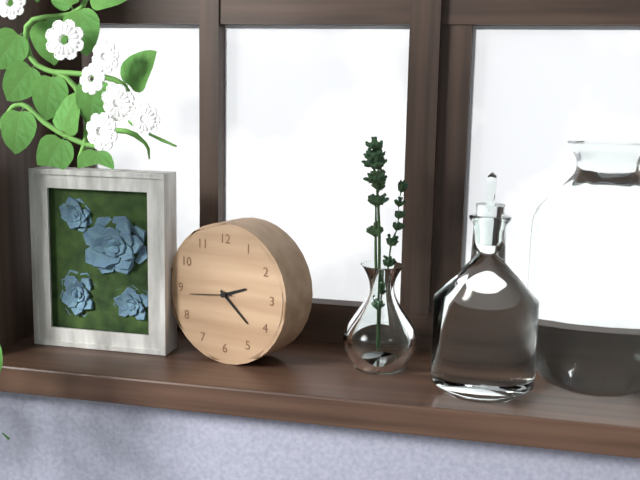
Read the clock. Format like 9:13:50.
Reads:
2:22:44
